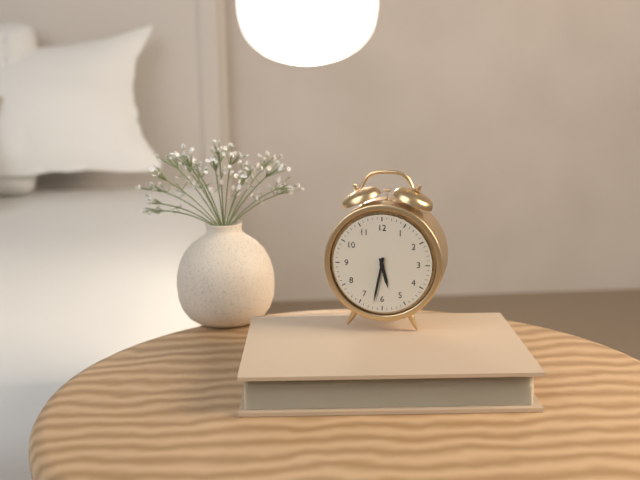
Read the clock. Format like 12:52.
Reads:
5:32
